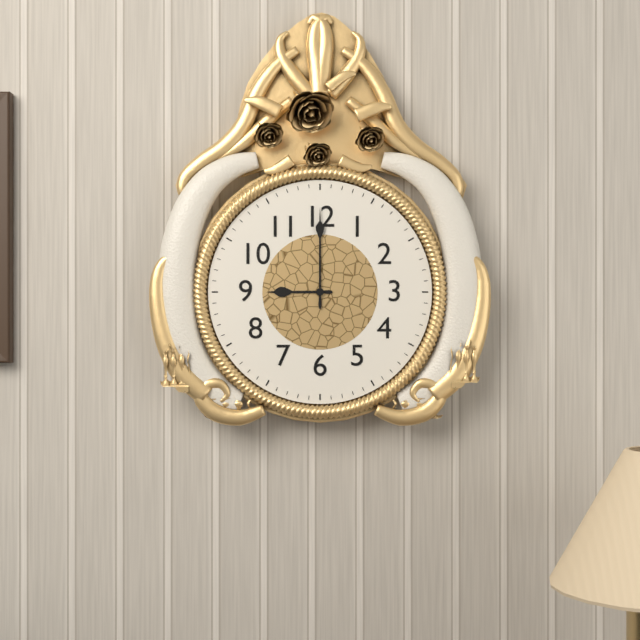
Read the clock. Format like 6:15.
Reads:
9:00
